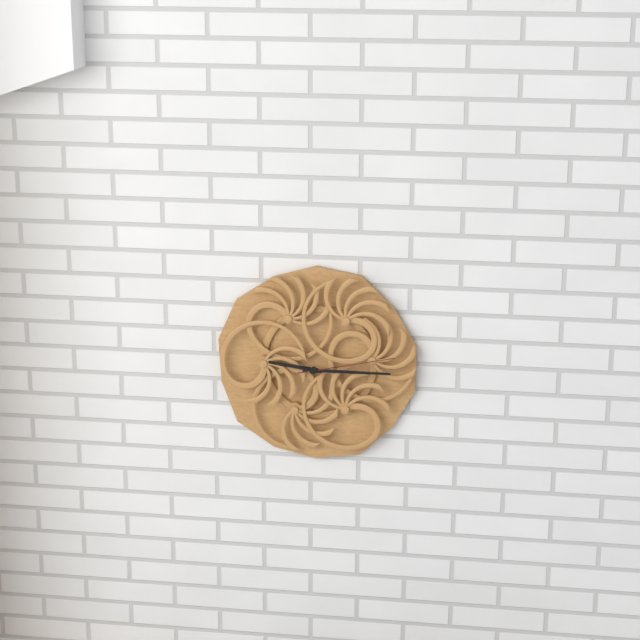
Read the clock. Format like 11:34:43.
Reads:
9:15:13
